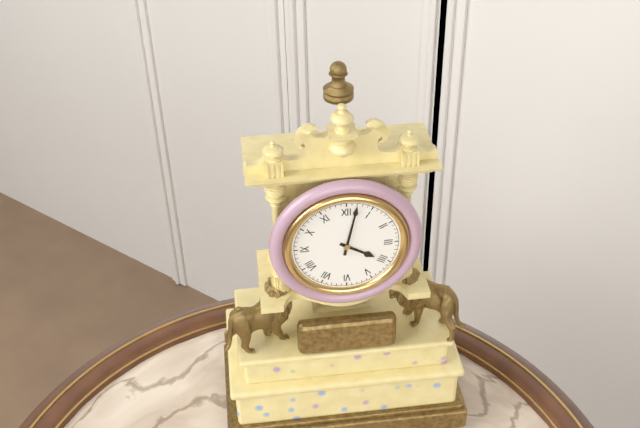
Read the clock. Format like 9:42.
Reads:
4:02
